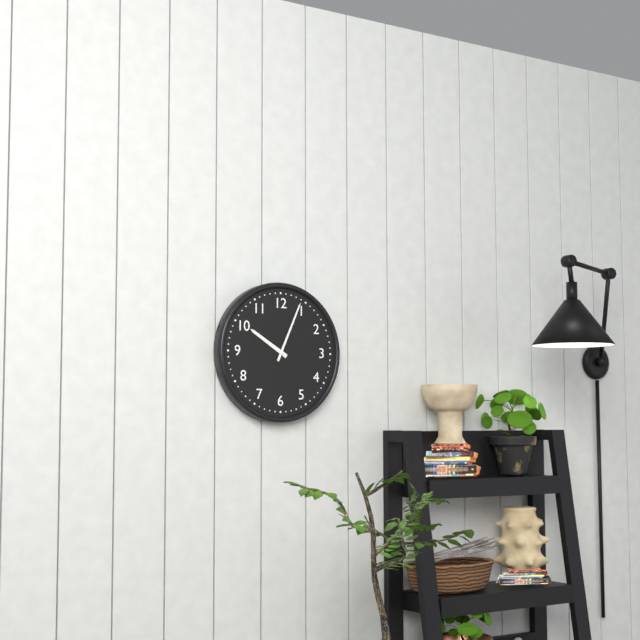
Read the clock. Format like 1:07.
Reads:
10:04
